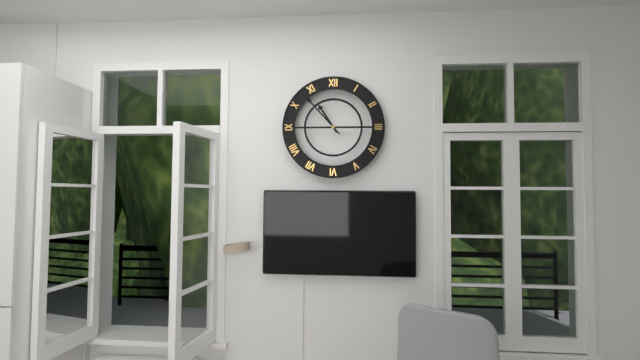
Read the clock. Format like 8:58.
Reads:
10:53
